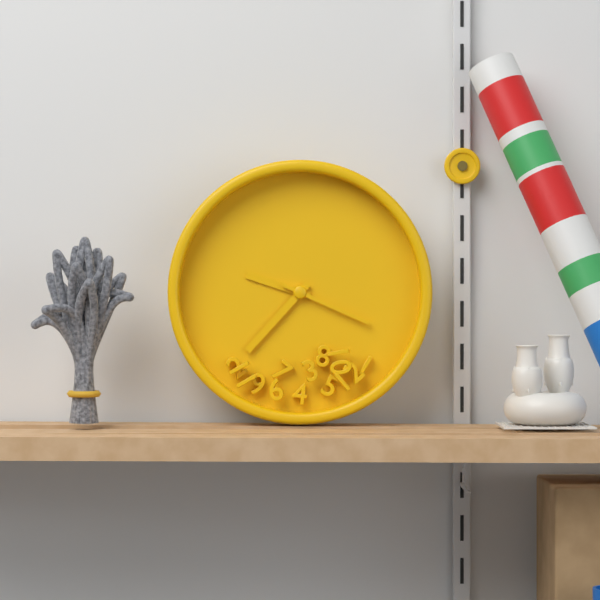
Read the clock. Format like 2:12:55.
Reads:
9:37:19
